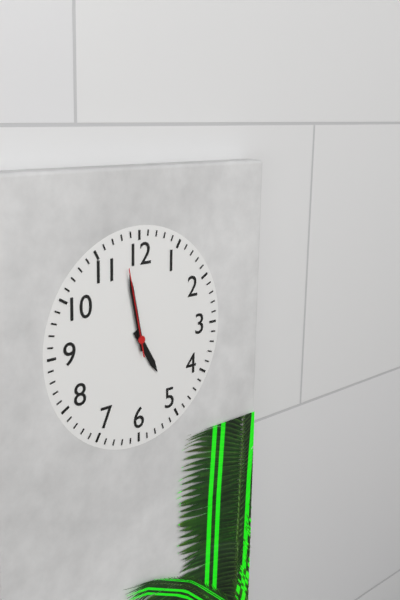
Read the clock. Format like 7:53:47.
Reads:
4:58:58
